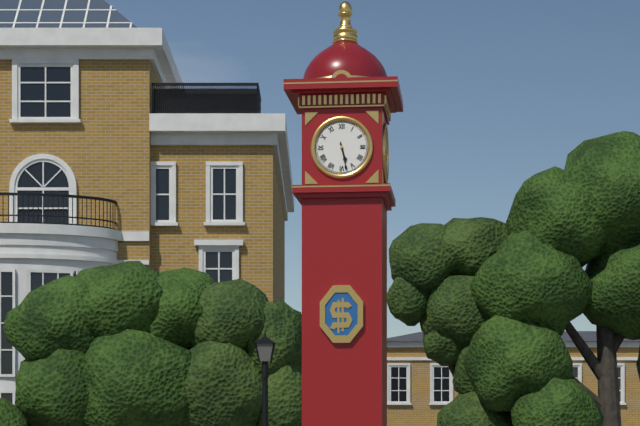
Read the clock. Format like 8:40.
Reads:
5:28
